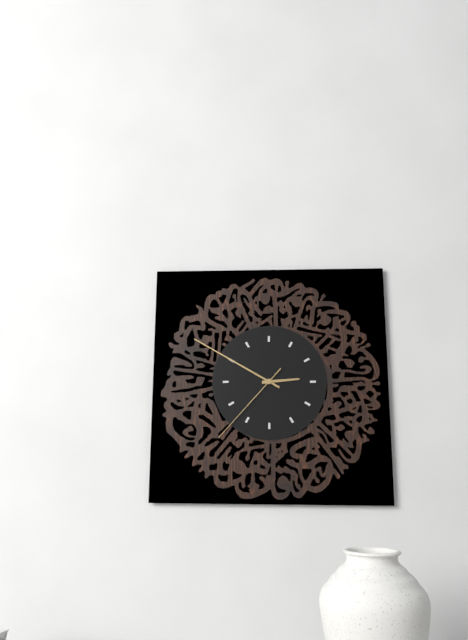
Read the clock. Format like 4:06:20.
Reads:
2:50:37
